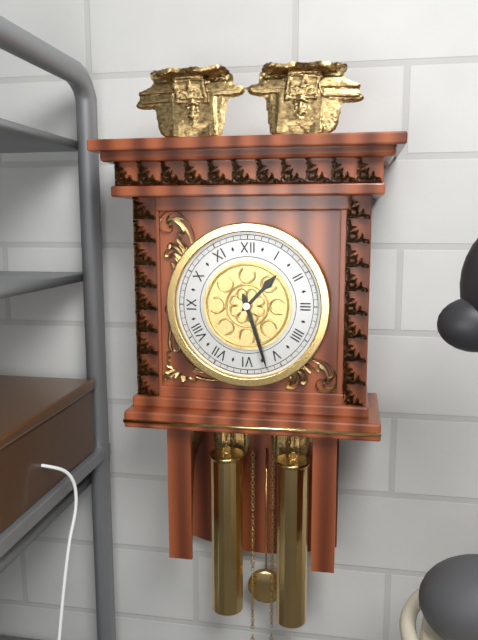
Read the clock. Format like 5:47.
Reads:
1:27
